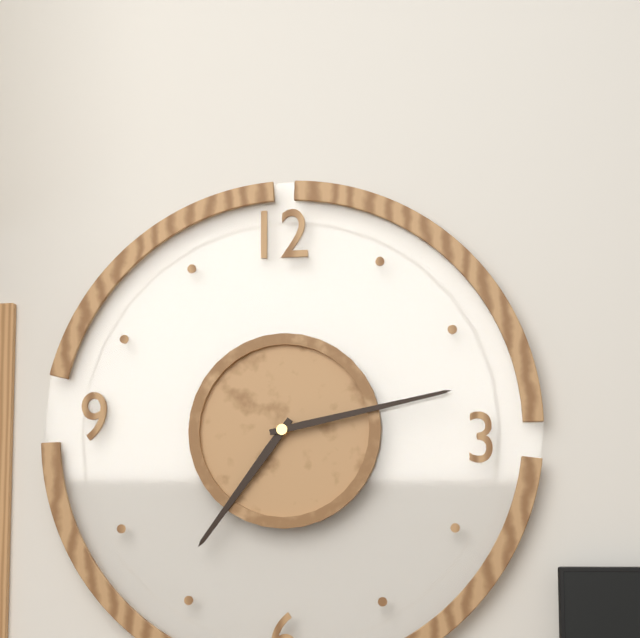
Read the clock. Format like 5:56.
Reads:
7:13
